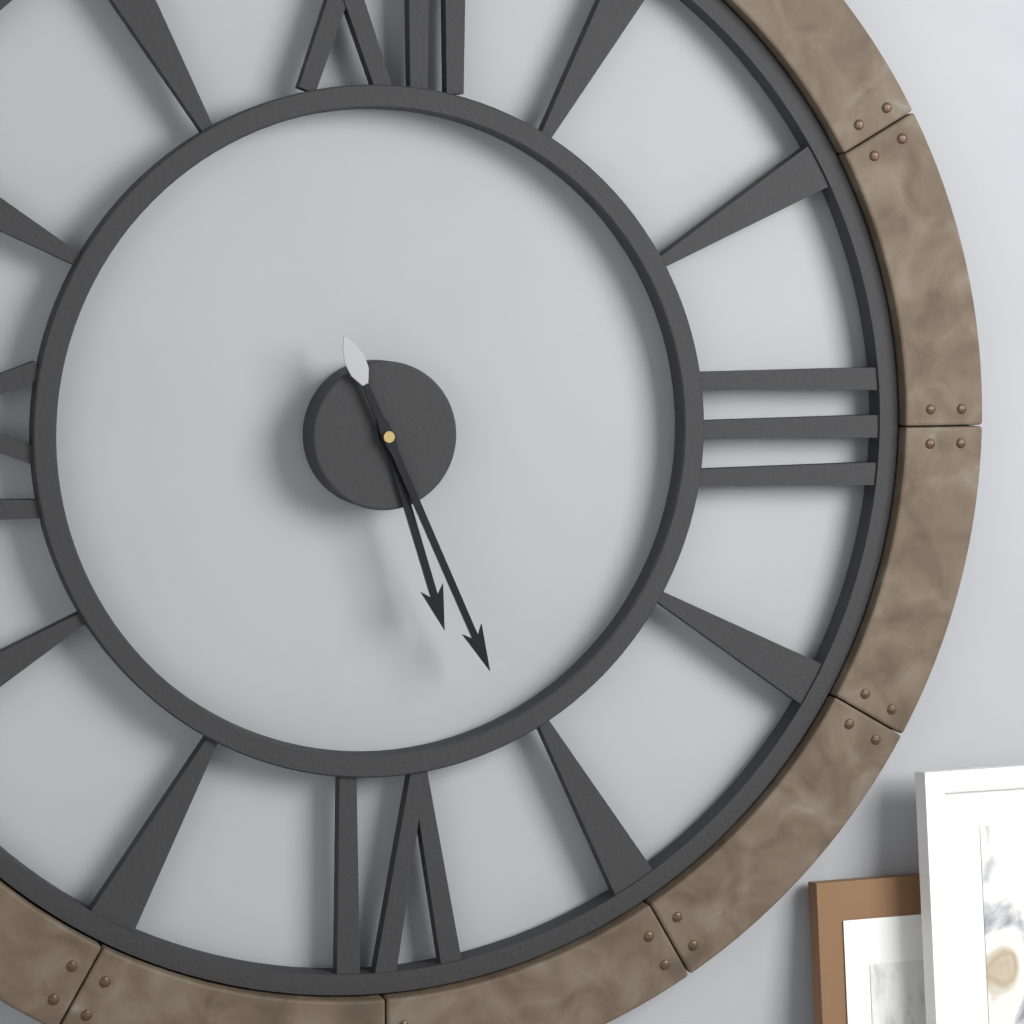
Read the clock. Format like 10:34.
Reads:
5:26
